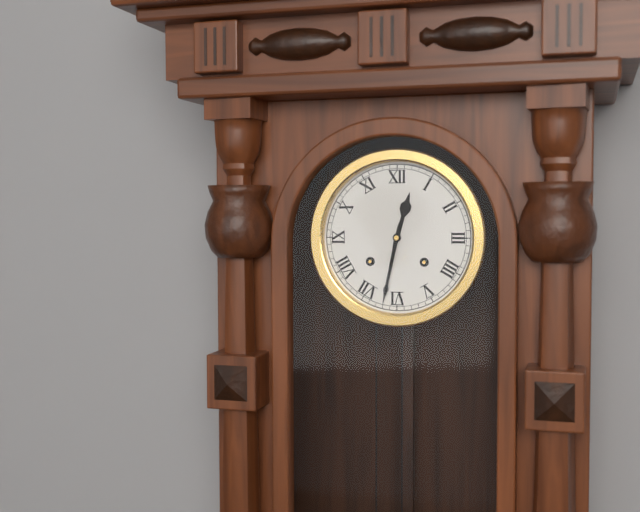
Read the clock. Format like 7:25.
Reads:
12:32
